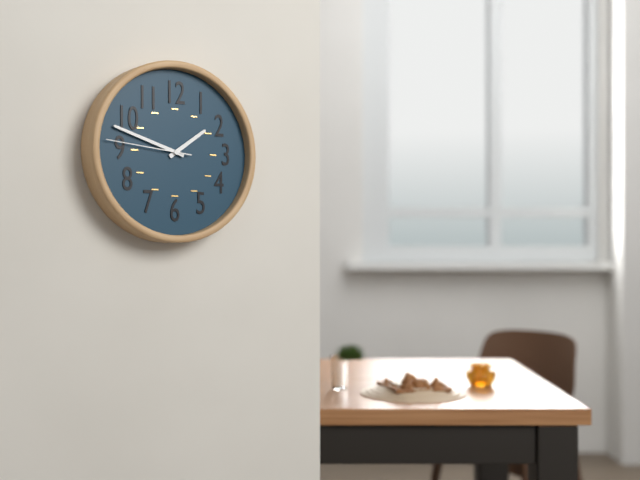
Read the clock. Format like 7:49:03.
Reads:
1:48:46
